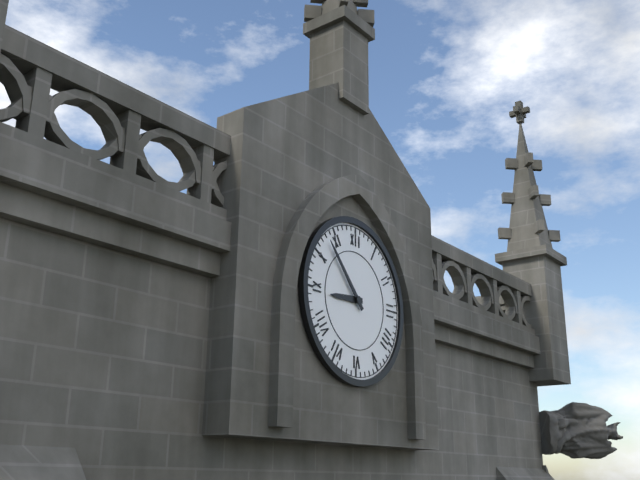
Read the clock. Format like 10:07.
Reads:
8:53
